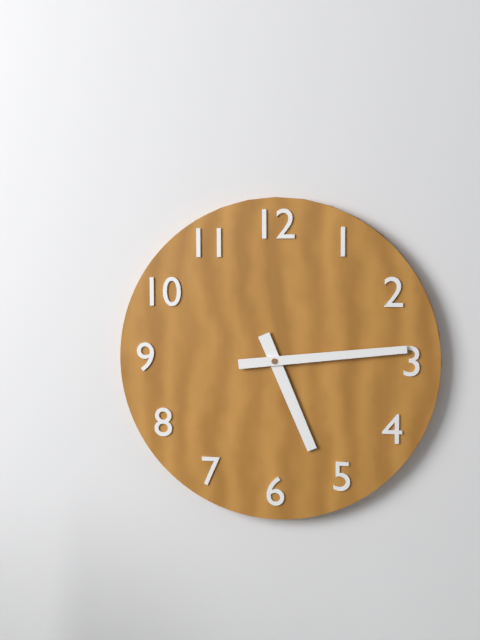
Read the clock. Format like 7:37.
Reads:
5:14
